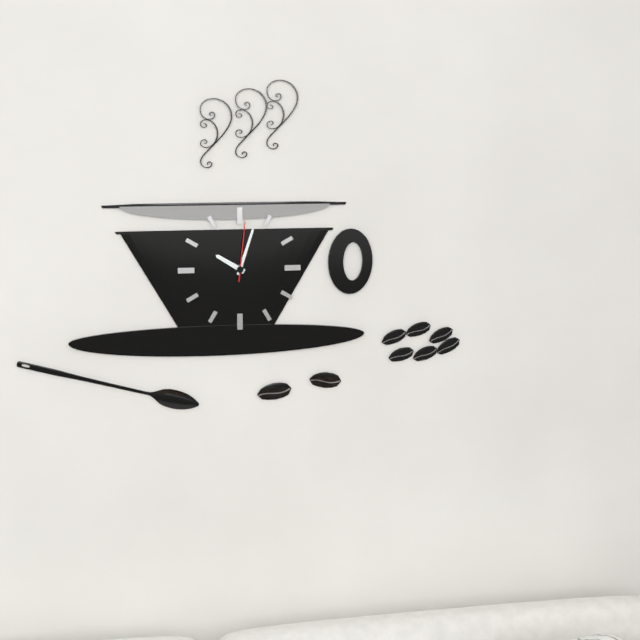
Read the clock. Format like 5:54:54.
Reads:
10:03:01
